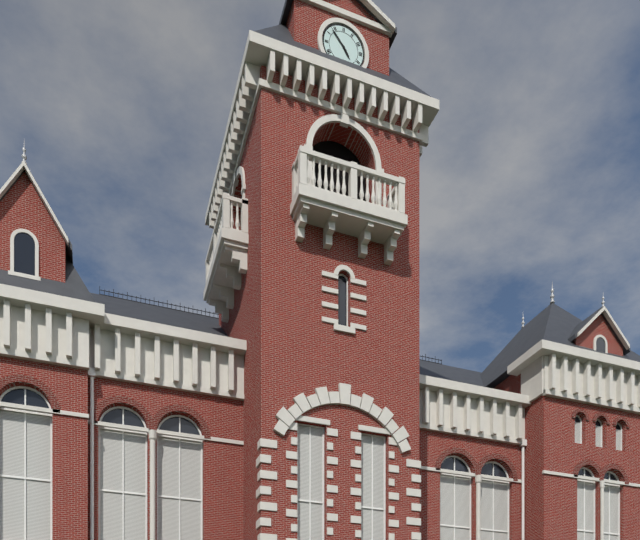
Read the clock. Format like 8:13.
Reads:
4:53
